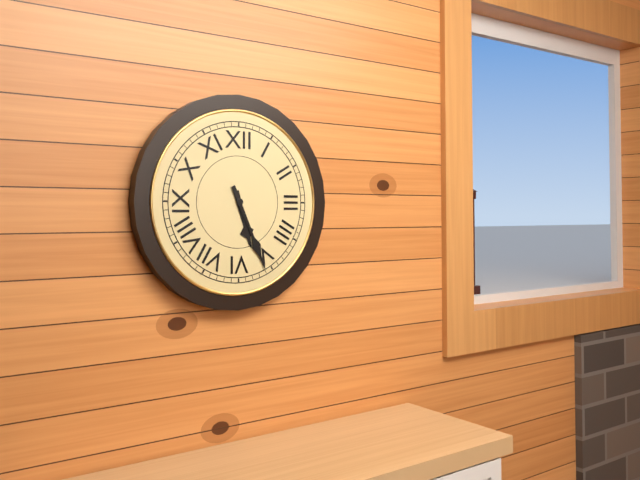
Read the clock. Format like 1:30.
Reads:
5:26
